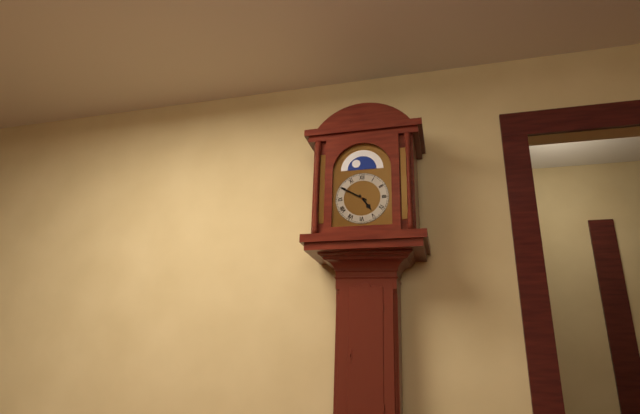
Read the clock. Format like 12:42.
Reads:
4:50
